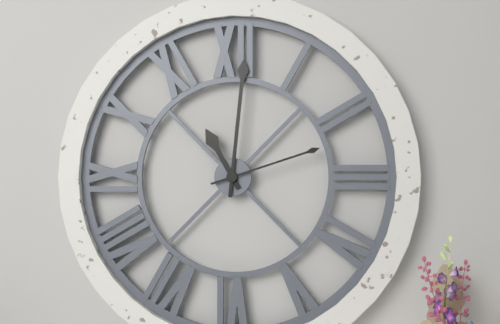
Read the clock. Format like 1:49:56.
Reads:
11:01:12
